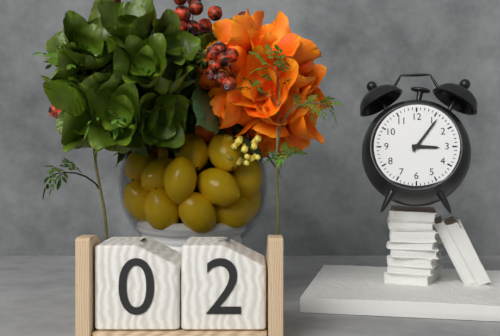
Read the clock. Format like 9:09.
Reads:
3:06
